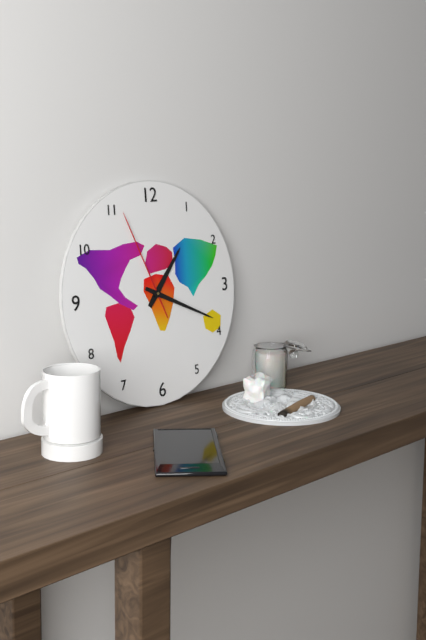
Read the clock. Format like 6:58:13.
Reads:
1:19:56
